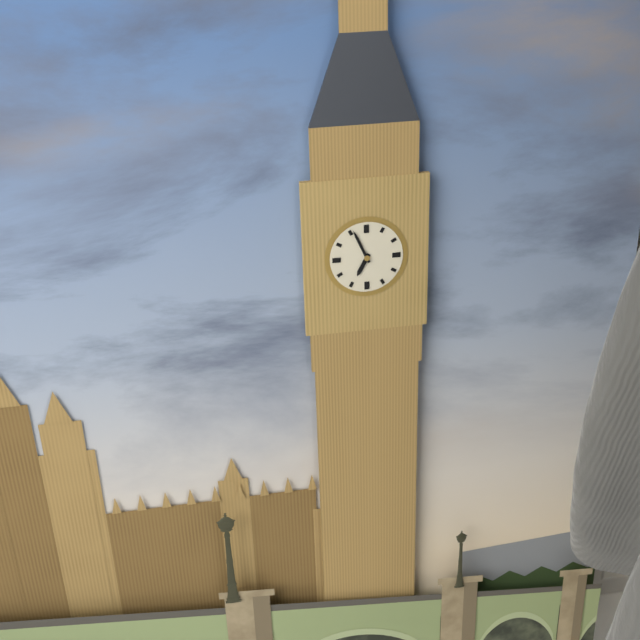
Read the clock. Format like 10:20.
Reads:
6:56
